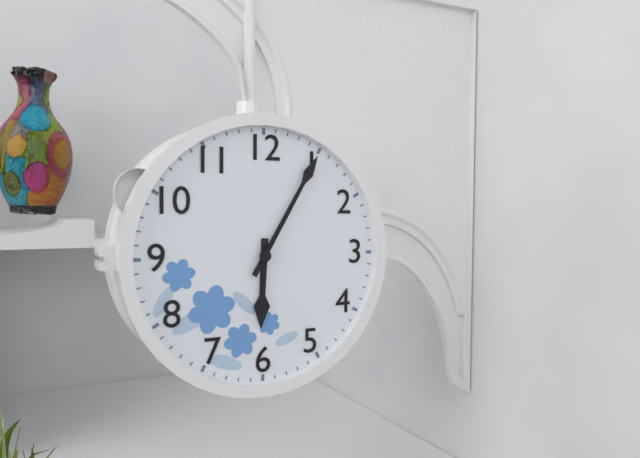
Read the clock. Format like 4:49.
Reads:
6:05
